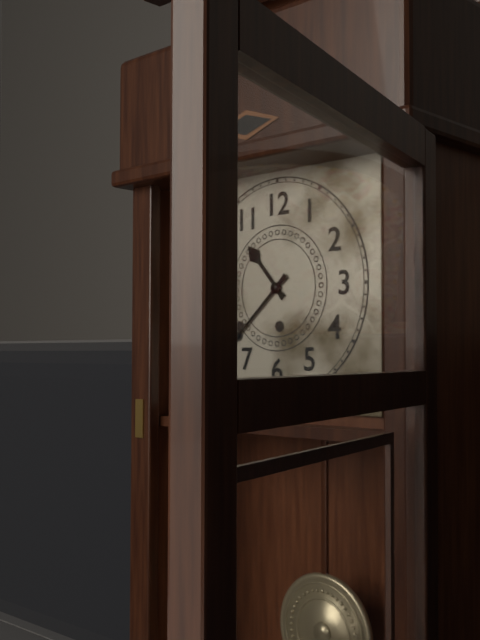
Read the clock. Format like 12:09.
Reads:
10:38
